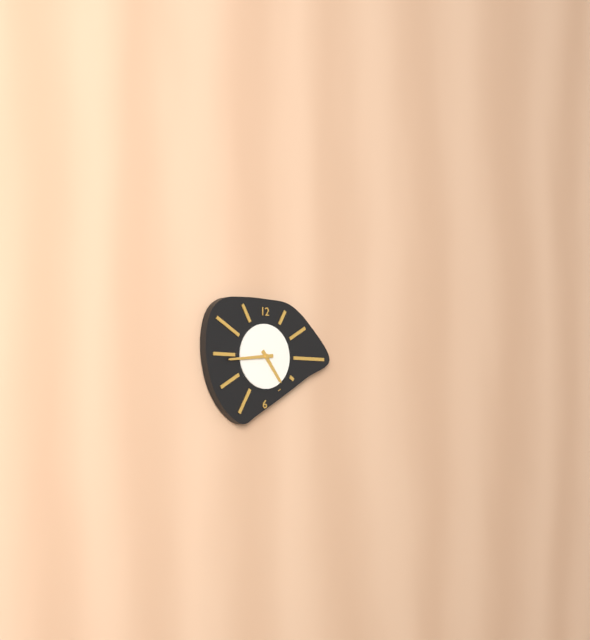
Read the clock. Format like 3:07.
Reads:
4:44
